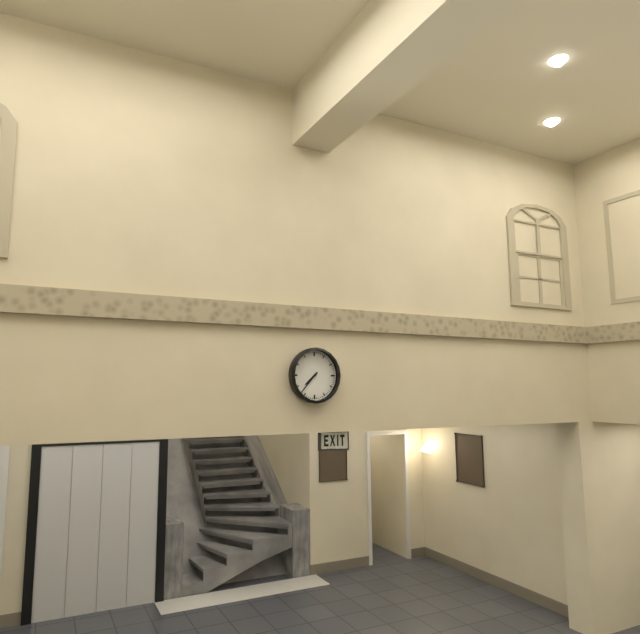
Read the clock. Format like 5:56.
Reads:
7:37
